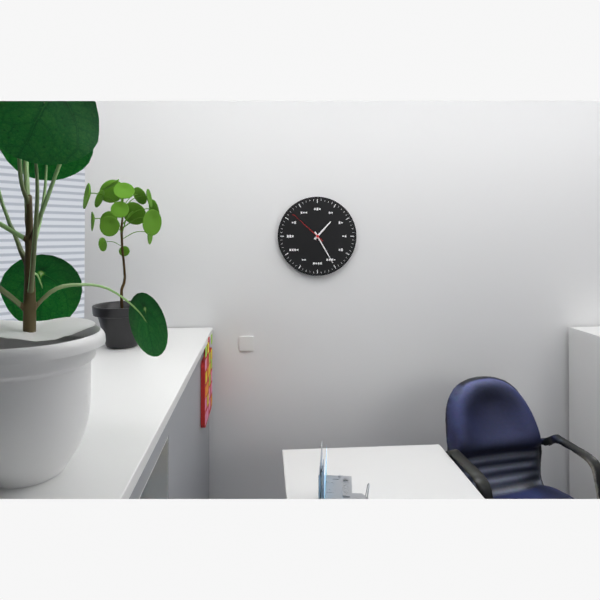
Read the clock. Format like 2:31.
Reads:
1:25
